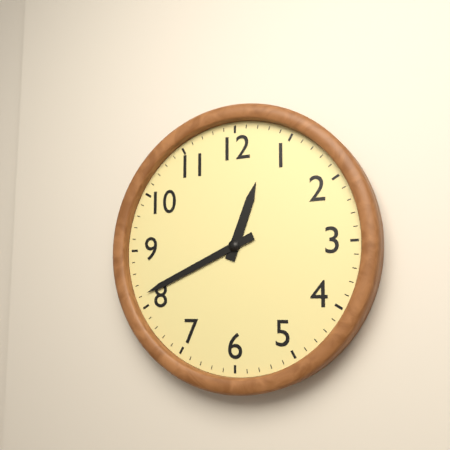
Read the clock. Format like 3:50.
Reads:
12:41
